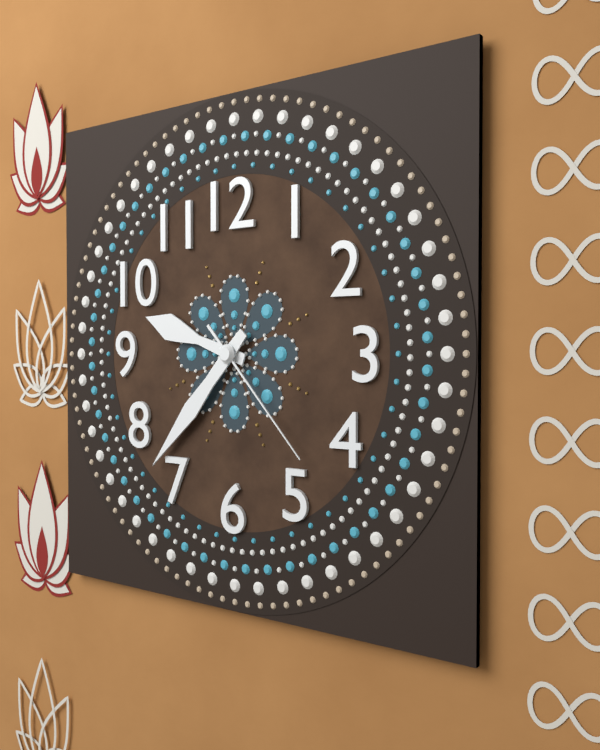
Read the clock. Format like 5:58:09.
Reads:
9:37:23
